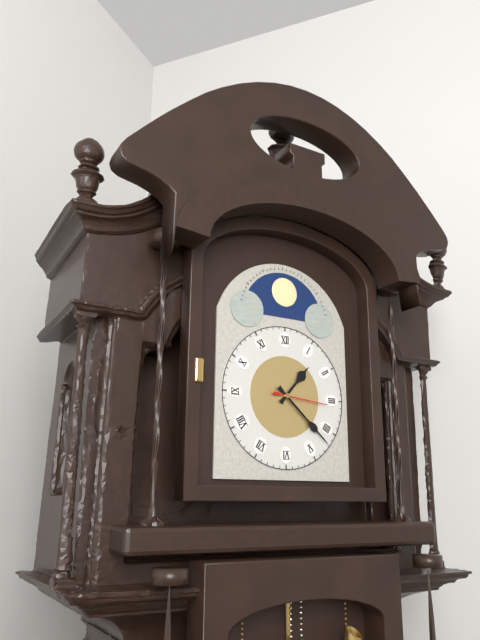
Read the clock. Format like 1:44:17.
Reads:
1:22:16
